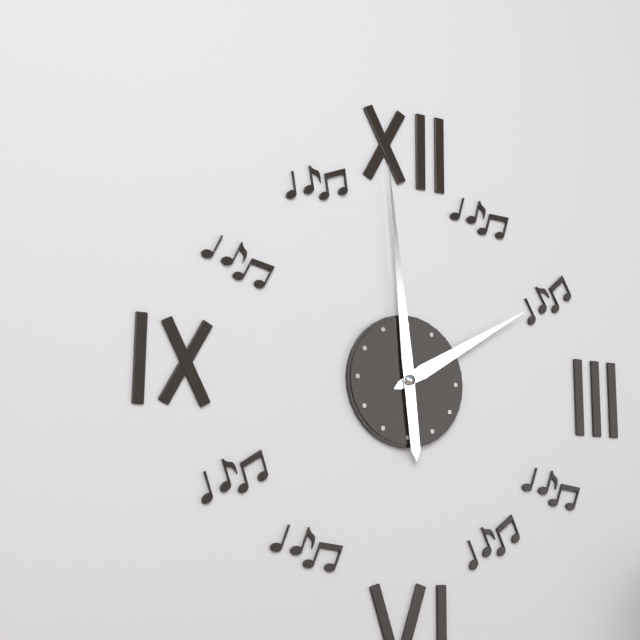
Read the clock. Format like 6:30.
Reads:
1:59
